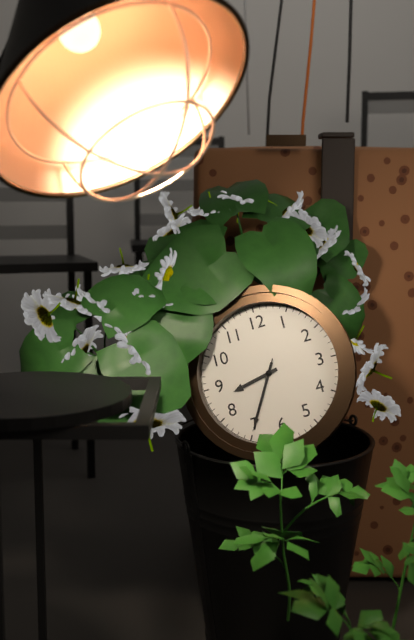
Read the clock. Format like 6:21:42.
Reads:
8:35:35
